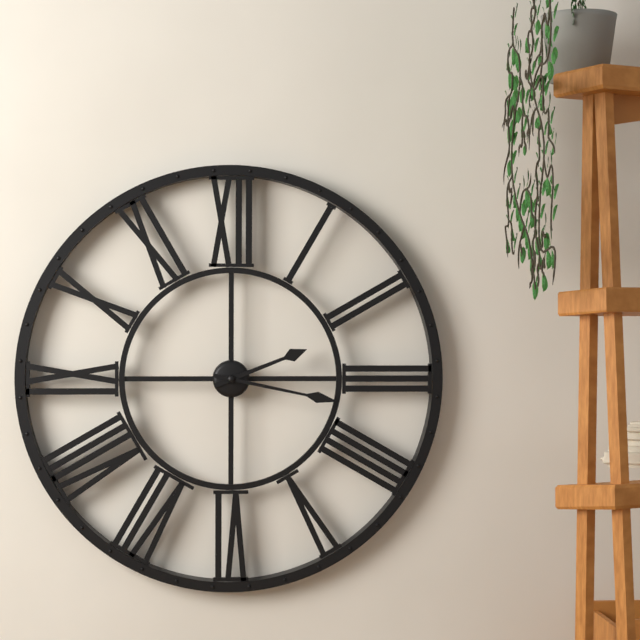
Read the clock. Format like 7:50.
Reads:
2:17
